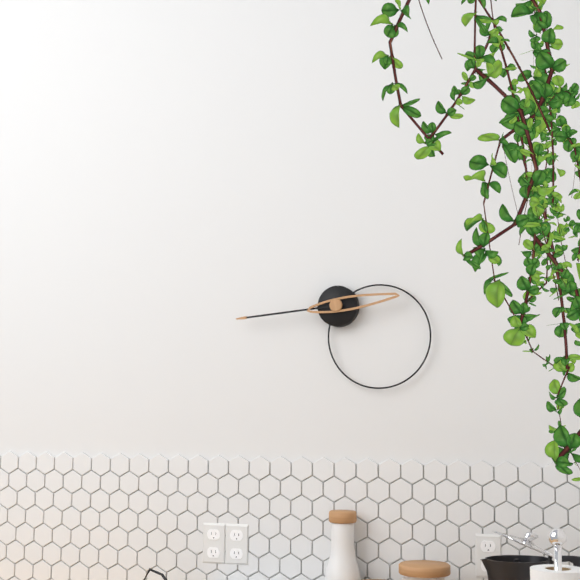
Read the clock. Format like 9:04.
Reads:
2:44
